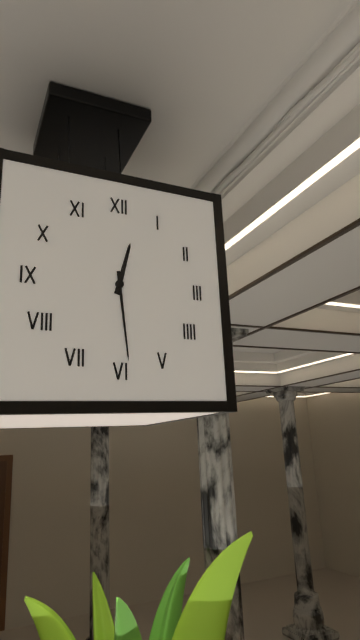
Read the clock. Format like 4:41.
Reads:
12:29
